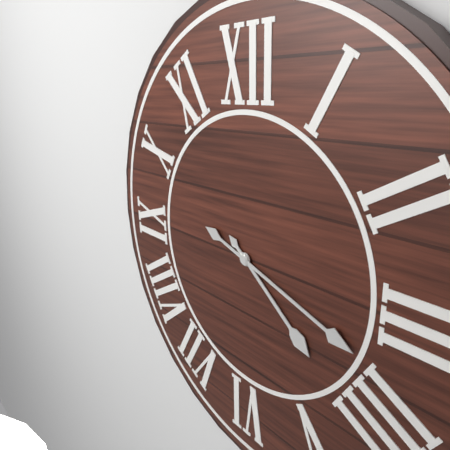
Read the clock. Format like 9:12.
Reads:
4:18
